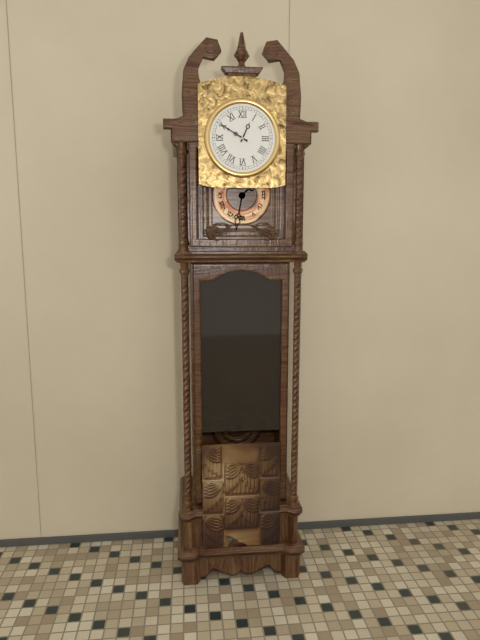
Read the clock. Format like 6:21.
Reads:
12:50
